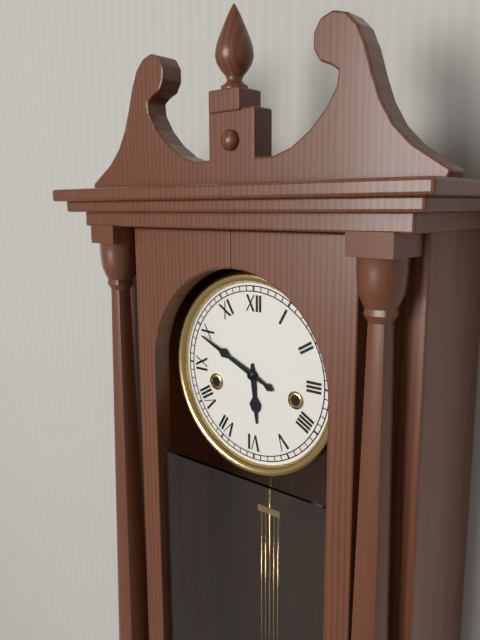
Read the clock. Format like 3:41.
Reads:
5:49
